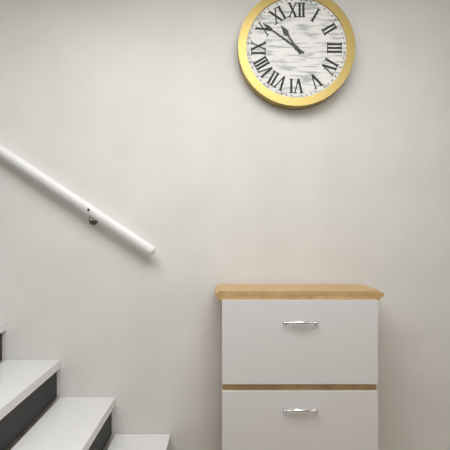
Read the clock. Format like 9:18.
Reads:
10:51
